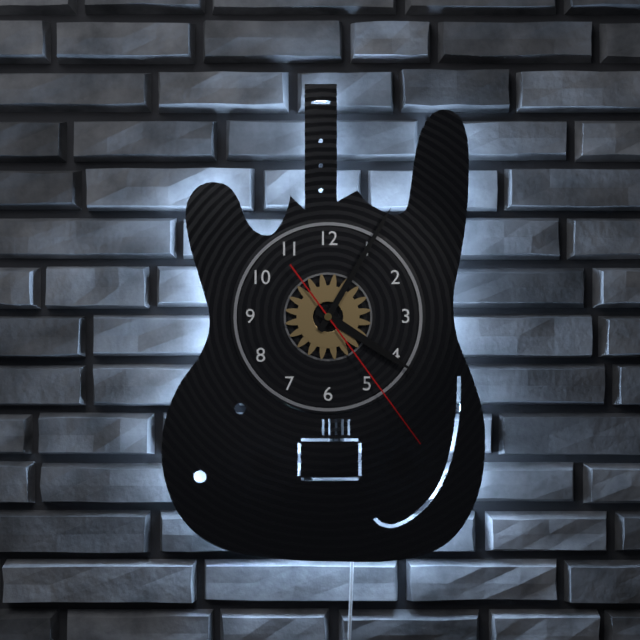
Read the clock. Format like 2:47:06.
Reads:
4:05:24
